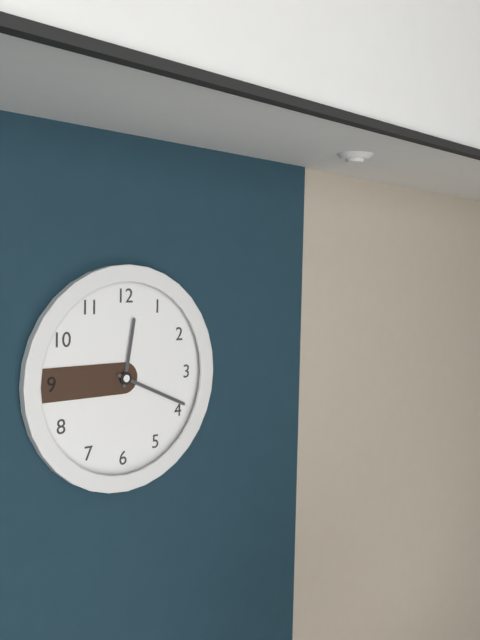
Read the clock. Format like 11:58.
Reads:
12:19
